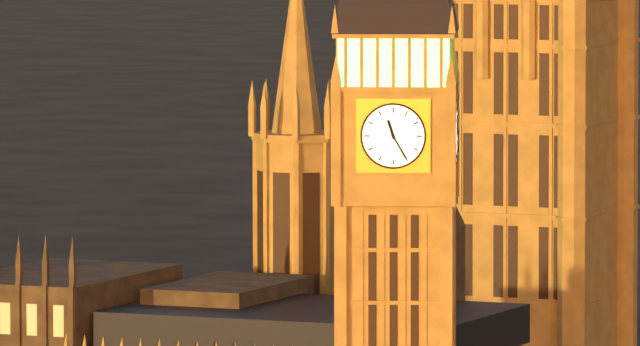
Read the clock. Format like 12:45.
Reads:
11:25
